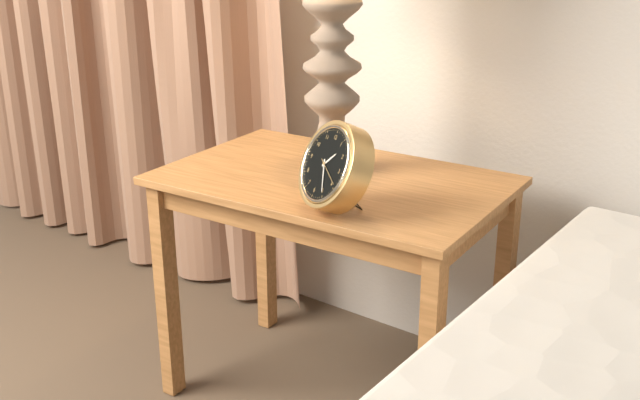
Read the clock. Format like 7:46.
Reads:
1:25
